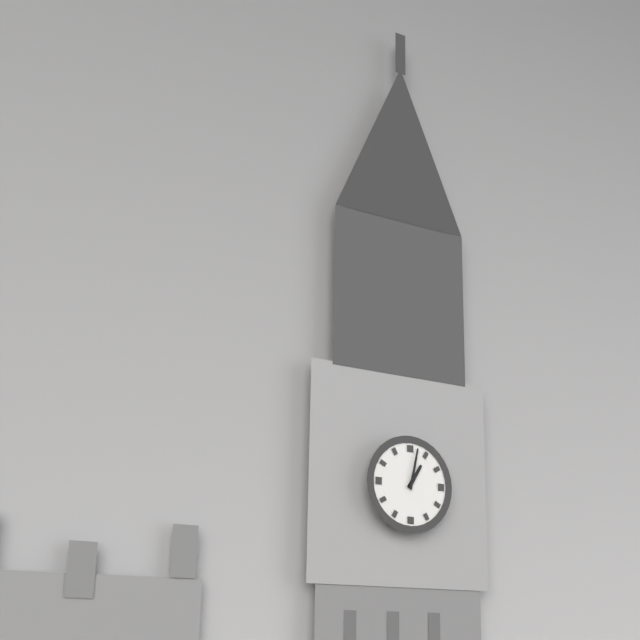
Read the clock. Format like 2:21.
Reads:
1:02
